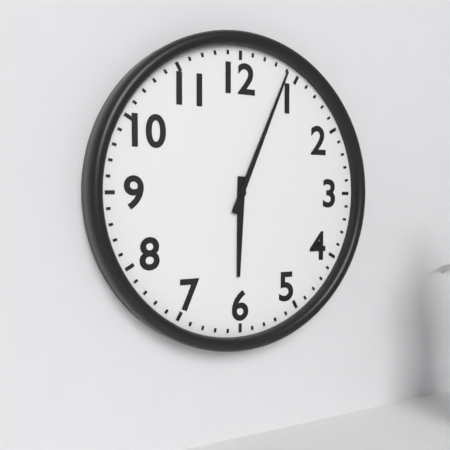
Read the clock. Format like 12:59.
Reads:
6:04
